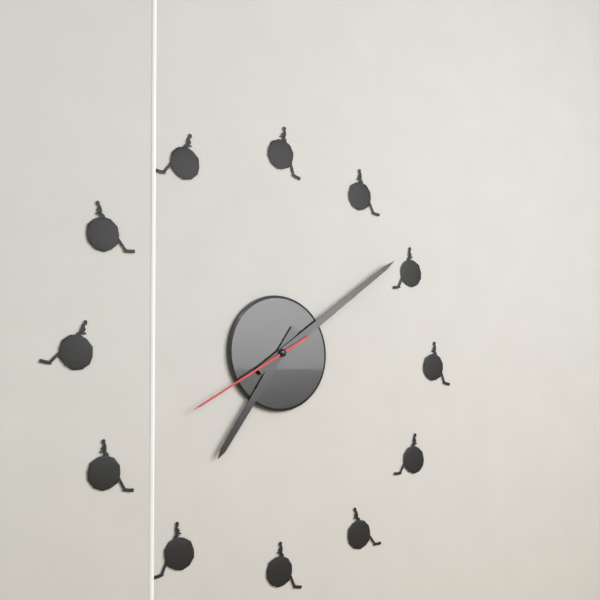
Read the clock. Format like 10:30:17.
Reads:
7:09:40
